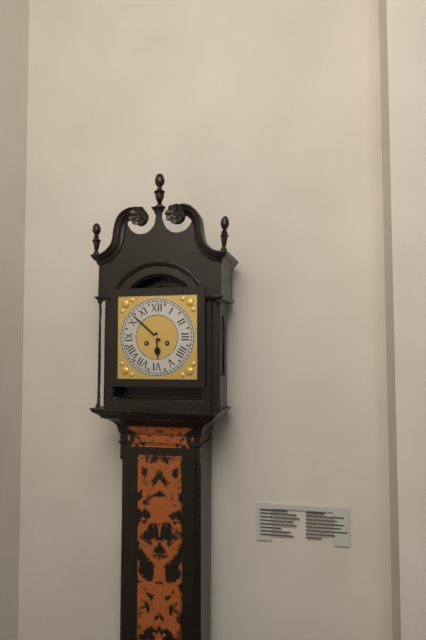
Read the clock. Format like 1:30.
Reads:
5:52
